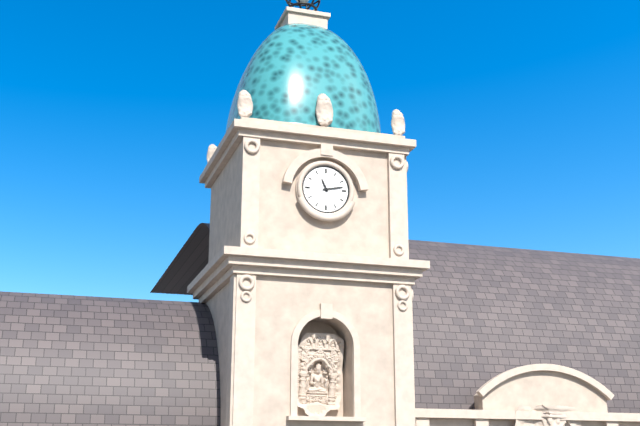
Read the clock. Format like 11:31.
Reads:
11:13
